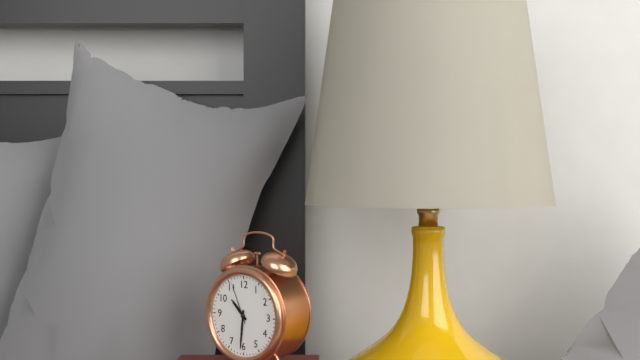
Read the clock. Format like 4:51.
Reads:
10:31
